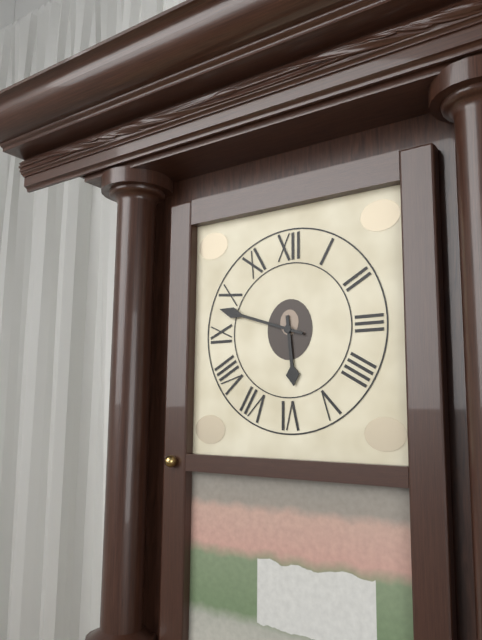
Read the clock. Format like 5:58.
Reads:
5:48
